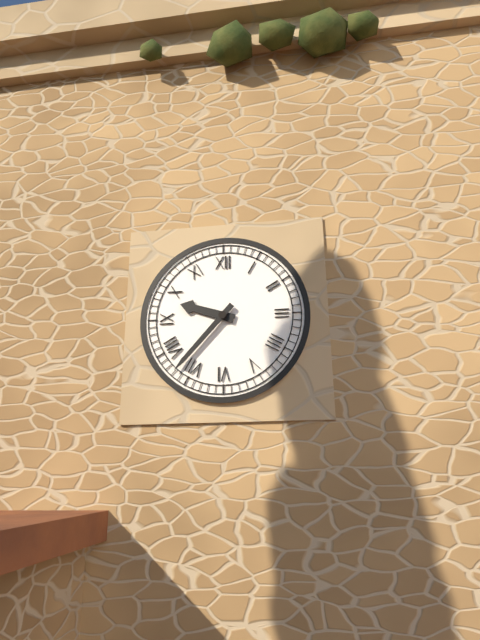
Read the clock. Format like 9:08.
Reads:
9:37
